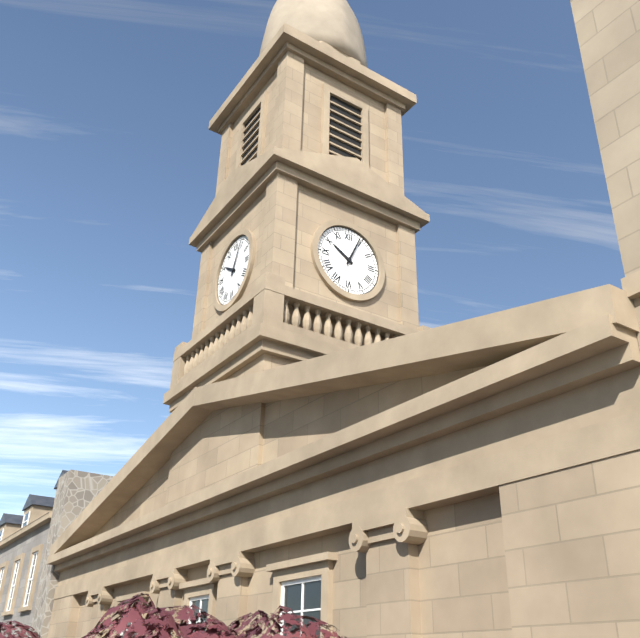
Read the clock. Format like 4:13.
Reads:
10:04
